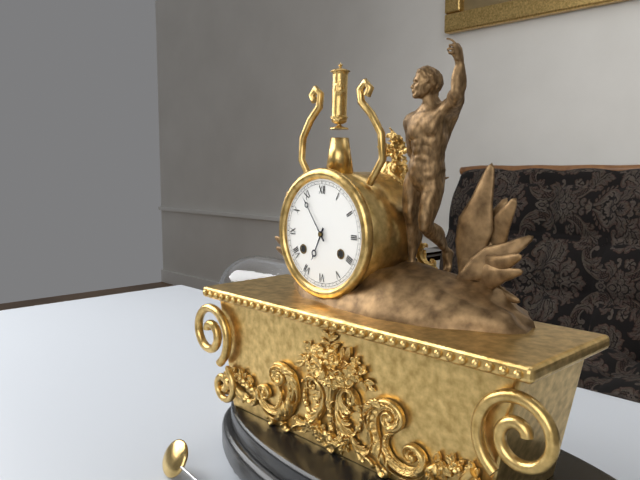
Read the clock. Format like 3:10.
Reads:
6:54
